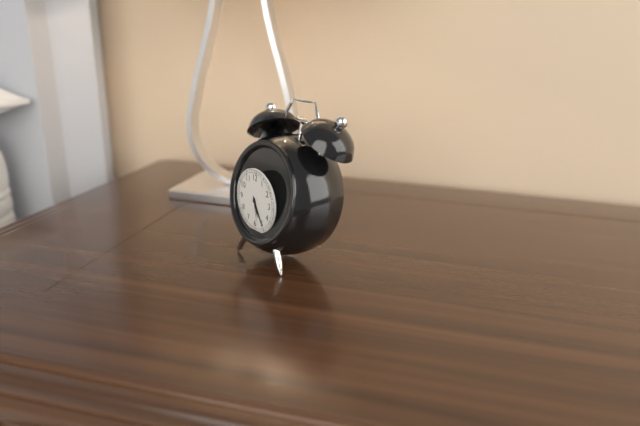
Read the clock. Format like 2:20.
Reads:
5:25
